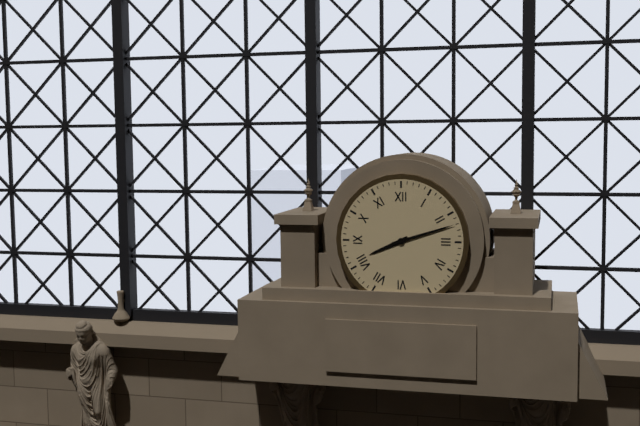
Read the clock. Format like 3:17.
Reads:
8:12
